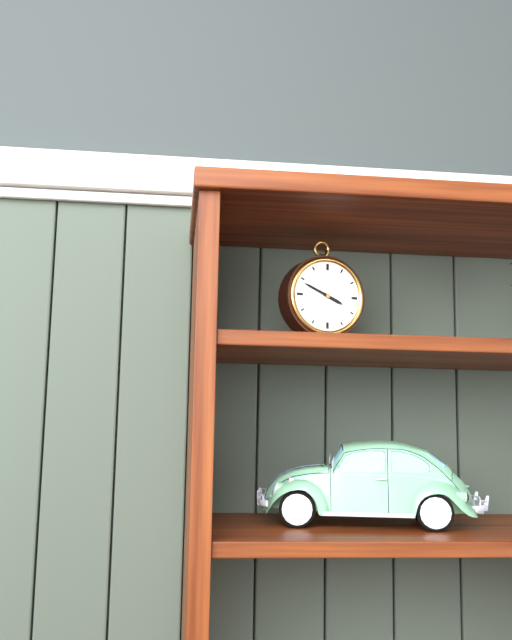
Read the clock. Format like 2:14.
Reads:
3:49
